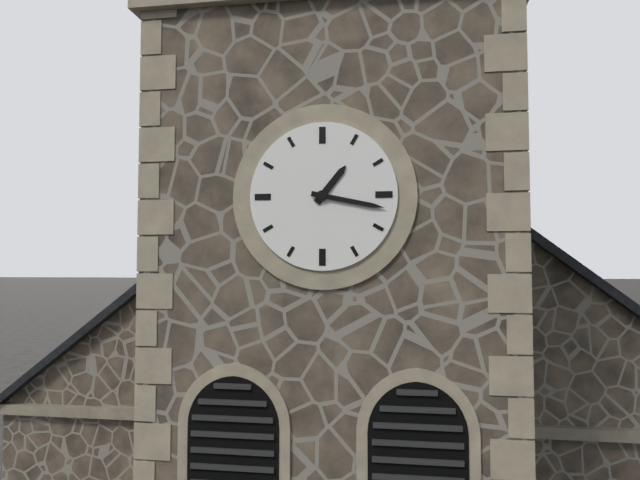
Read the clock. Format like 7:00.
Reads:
1:17
